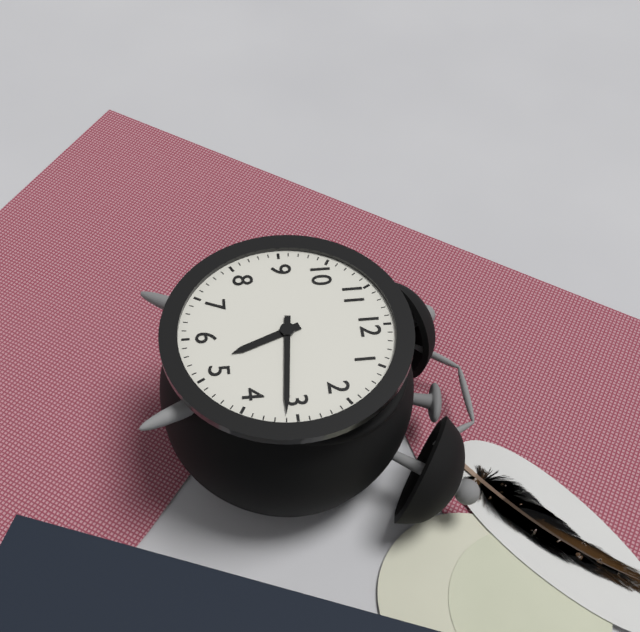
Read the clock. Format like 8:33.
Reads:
5:16
